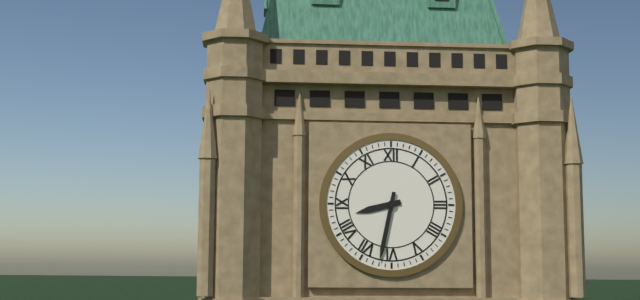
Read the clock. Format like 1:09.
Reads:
8:32
